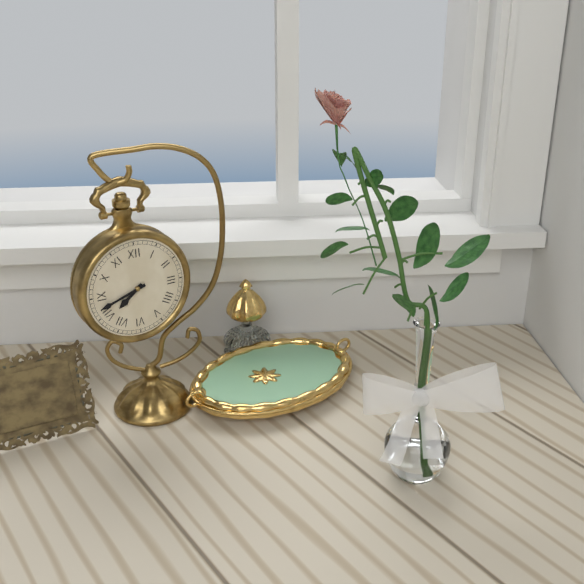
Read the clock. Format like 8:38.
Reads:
7:42
